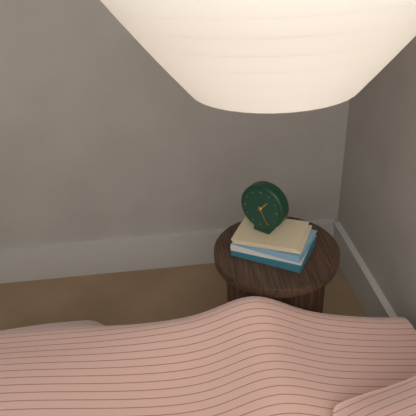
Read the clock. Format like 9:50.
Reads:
1:25
